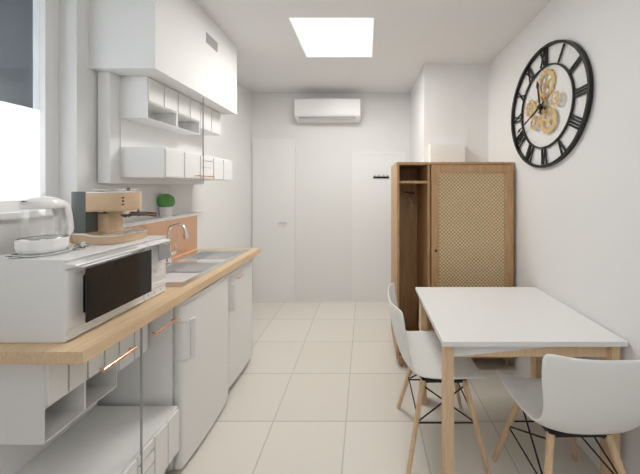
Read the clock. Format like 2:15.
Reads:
11:41
